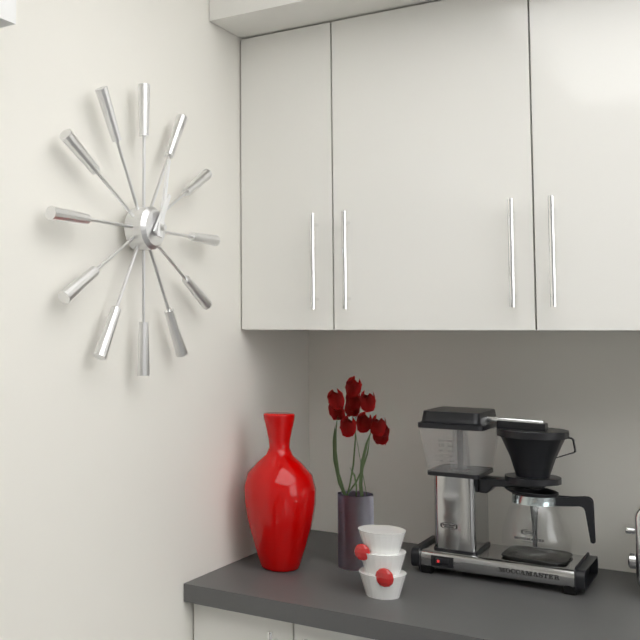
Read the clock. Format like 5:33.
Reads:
1:02
